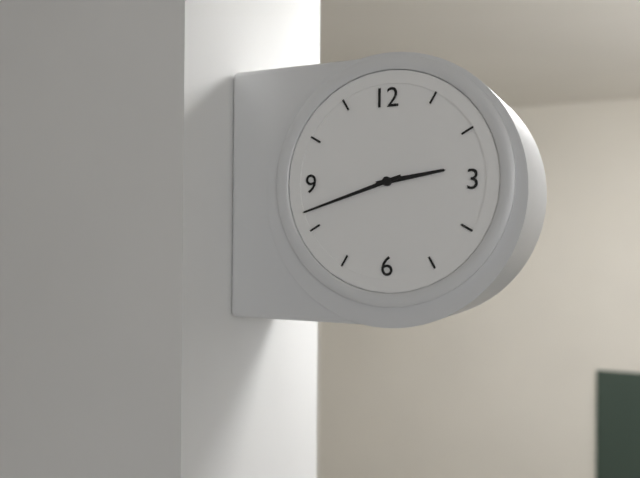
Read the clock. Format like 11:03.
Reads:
2:42
